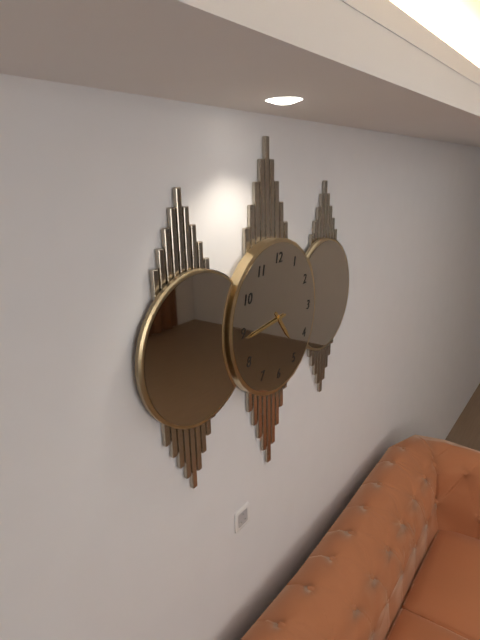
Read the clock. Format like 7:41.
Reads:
4:44
